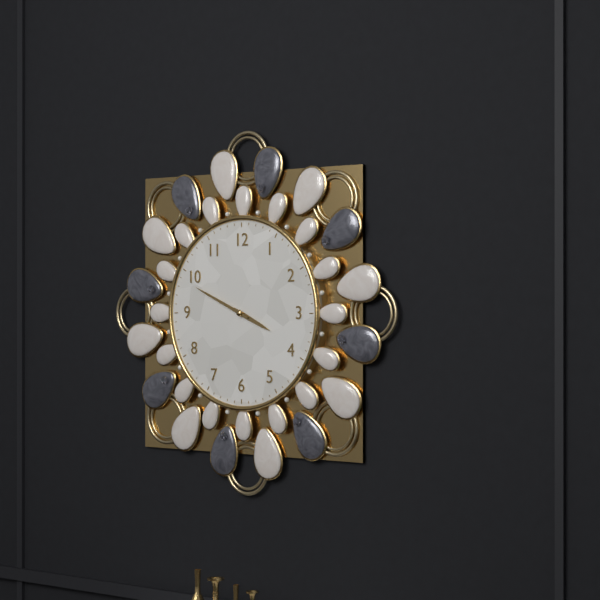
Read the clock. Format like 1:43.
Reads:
3:49
